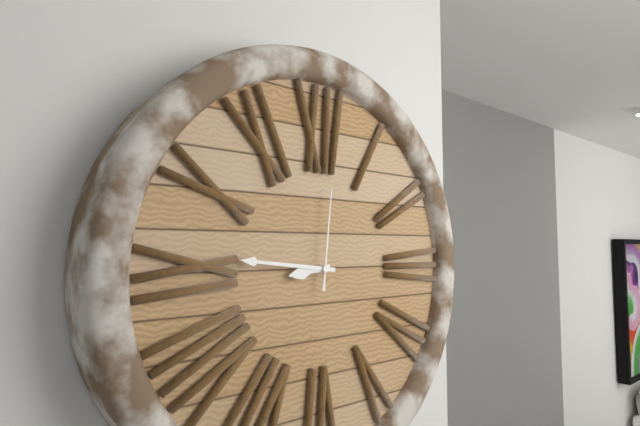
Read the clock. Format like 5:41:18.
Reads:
8:46:01
